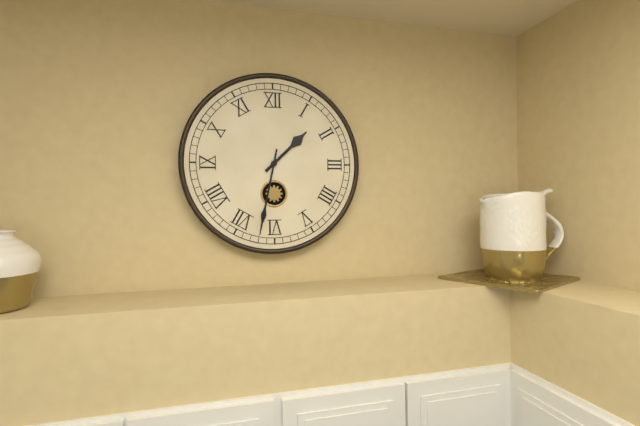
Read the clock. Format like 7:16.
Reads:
1:32
